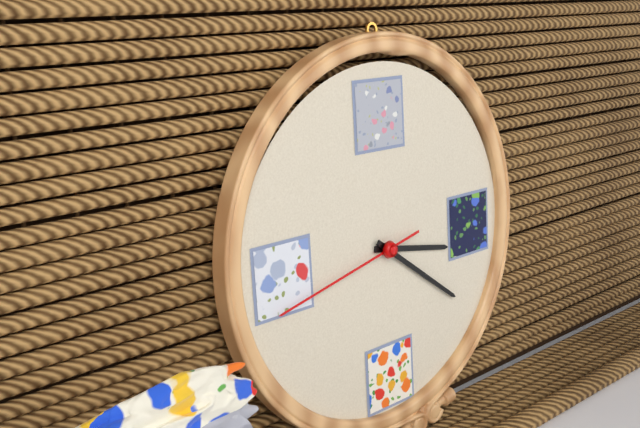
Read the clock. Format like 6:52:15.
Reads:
3:21:43
